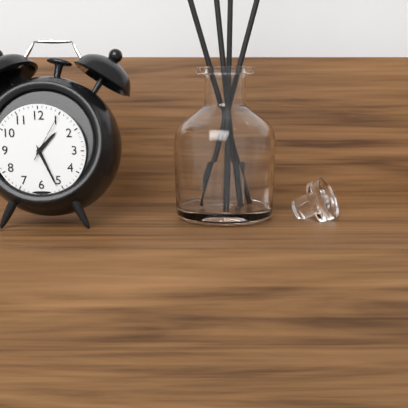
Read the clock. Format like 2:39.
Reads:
1:26
